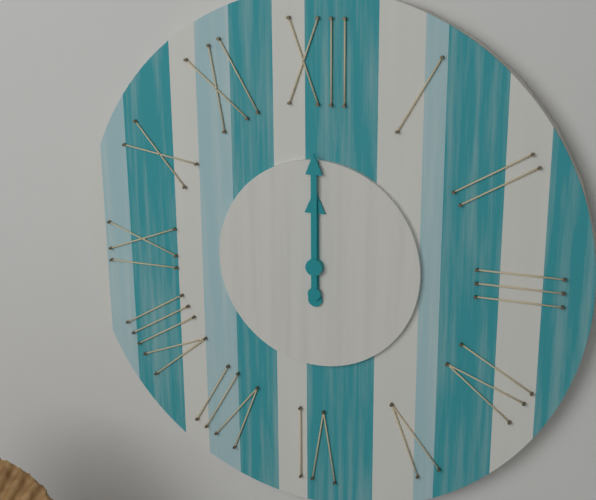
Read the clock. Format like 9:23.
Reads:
12:00
